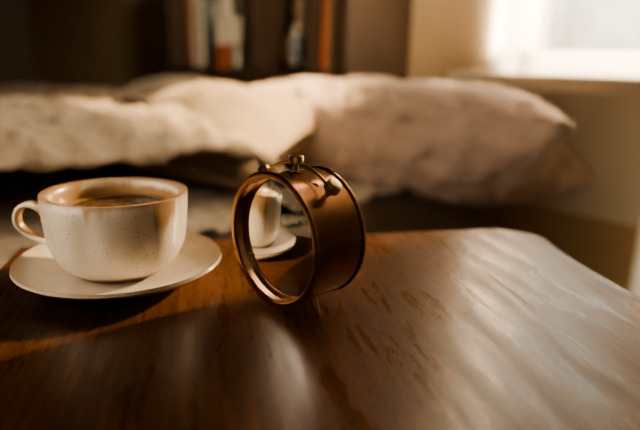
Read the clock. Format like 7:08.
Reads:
2:45
